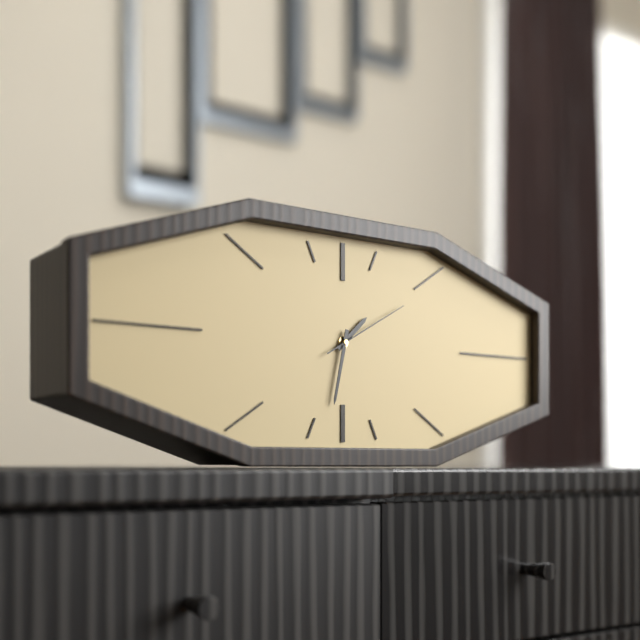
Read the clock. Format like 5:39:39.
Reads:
1:32:10
